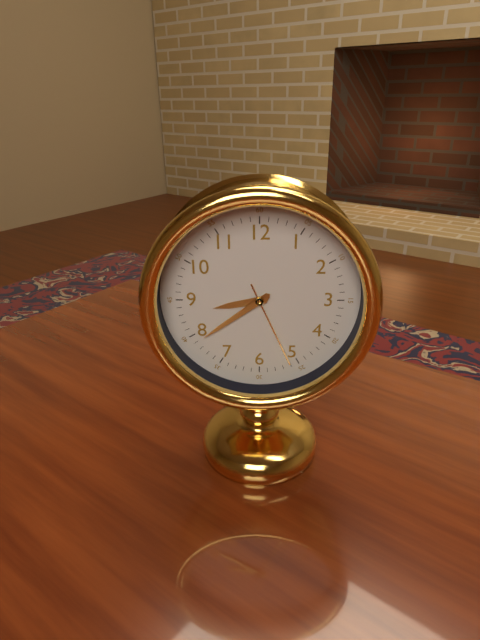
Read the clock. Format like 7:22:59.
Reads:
8:39:26
